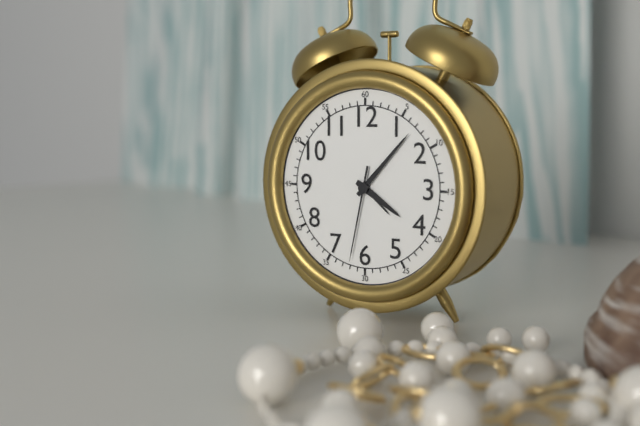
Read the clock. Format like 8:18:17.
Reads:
4:07:32
